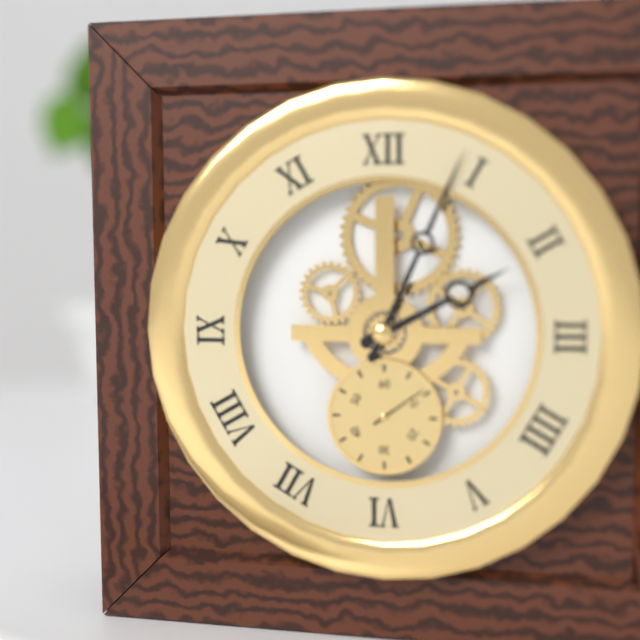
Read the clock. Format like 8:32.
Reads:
2:04
